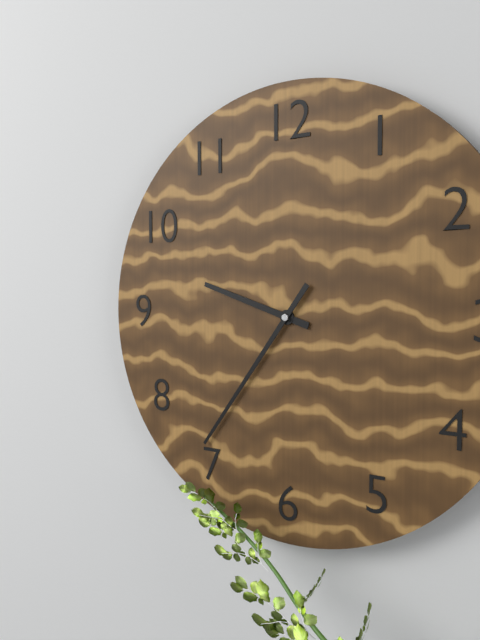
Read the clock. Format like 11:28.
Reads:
9:36
